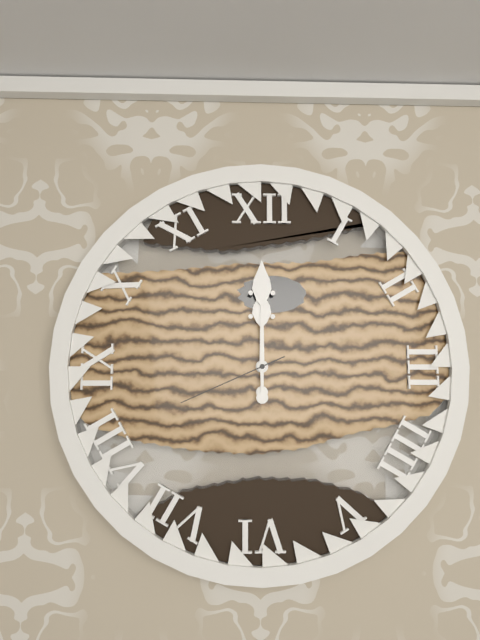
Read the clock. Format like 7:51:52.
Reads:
12:00:41
